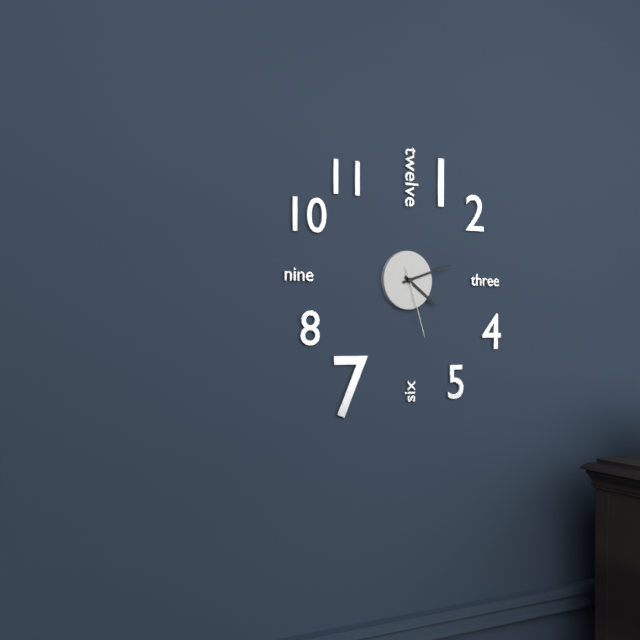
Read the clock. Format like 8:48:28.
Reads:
4:12:27
